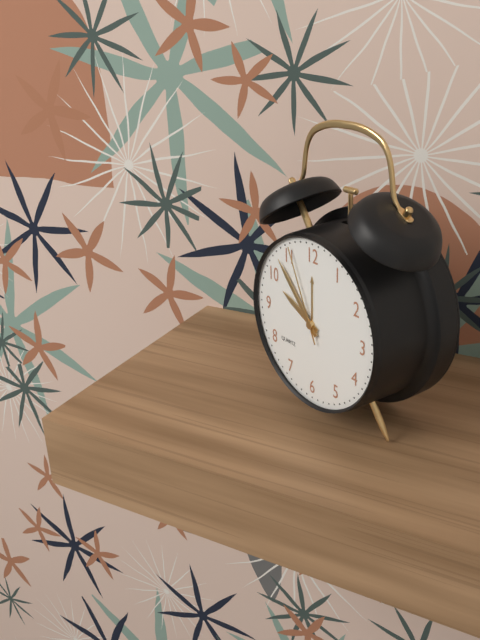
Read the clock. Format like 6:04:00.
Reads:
9:53:56
